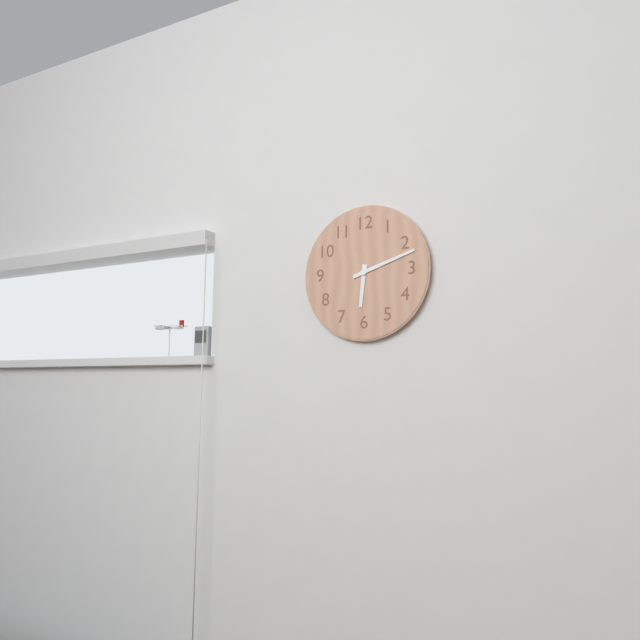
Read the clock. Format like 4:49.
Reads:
6:12
